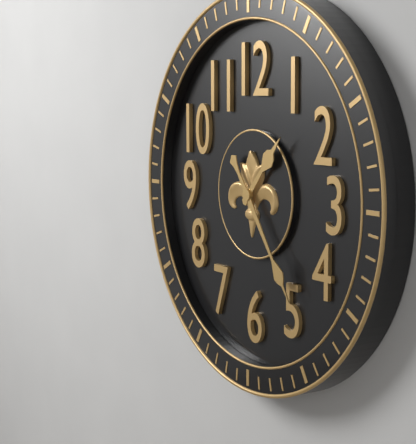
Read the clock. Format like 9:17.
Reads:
1:24
